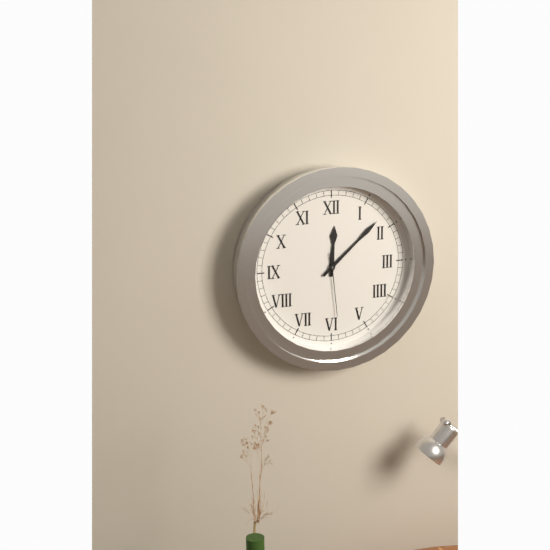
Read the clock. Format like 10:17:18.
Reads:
12:08:29
